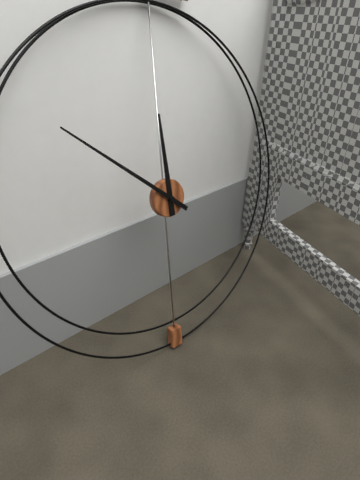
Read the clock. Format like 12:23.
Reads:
11:51
